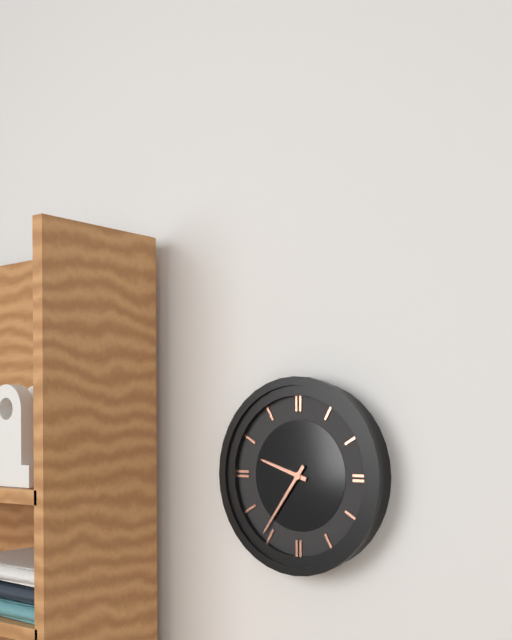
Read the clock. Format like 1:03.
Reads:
9:36
